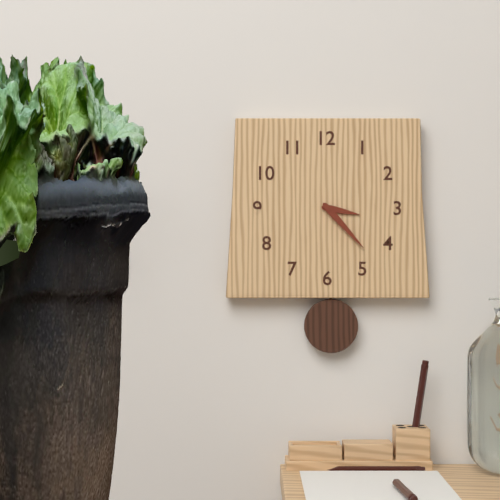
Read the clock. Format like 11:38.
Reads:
3:23
